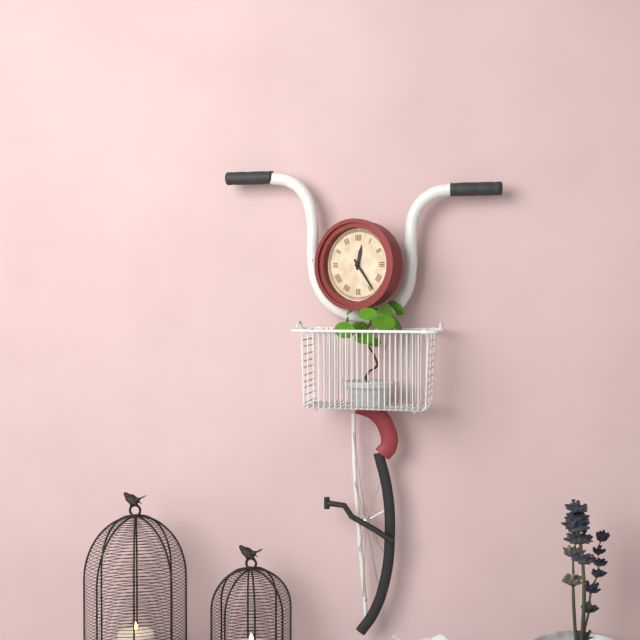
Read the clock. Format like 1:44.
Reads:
12:24
